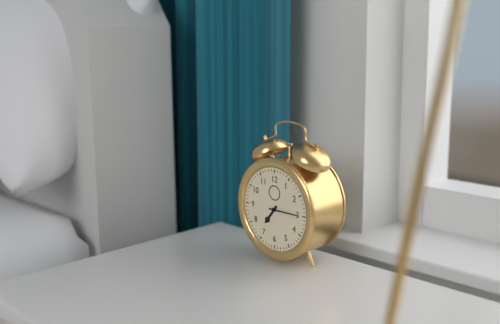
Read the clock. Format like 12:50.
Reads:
7:15
